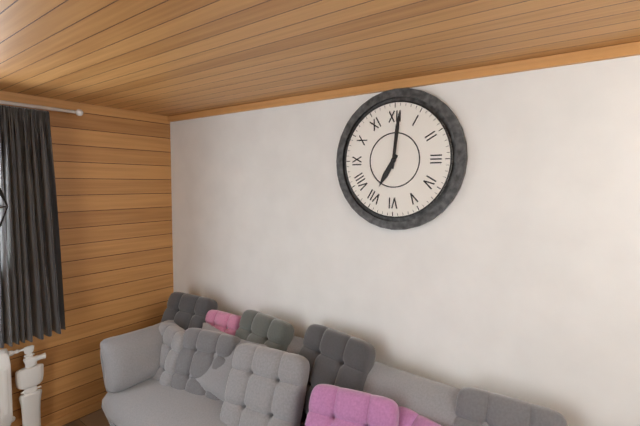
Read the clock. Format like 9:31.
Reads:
7:01
